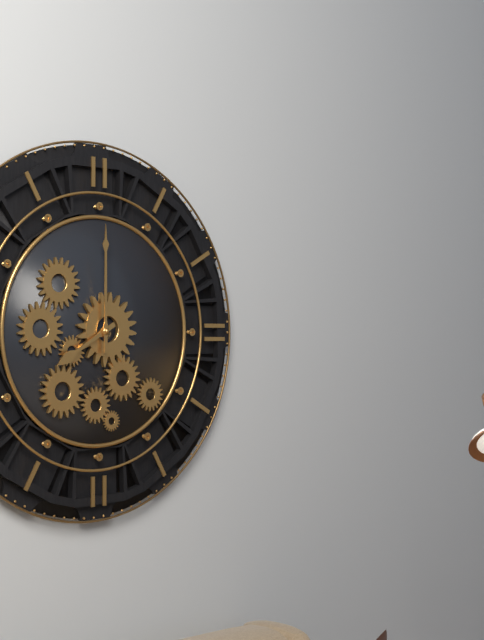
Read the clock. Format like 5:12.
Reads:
8:00
